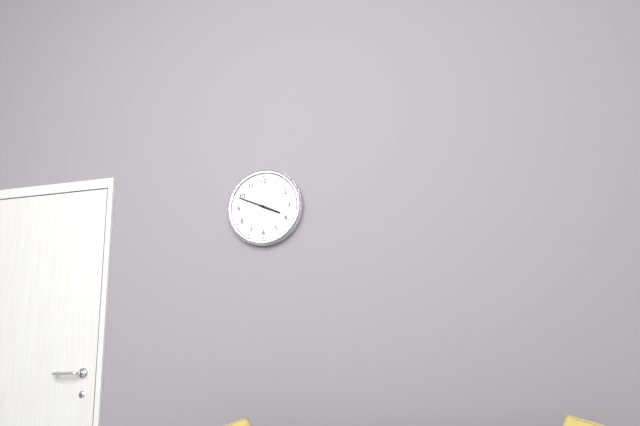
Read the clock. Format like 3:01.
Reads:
3:49
